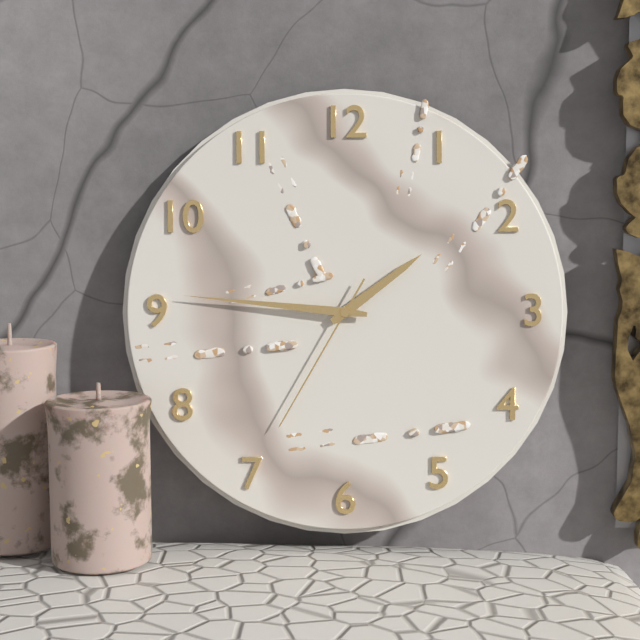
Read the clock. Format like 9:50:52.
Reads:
1:46:35
